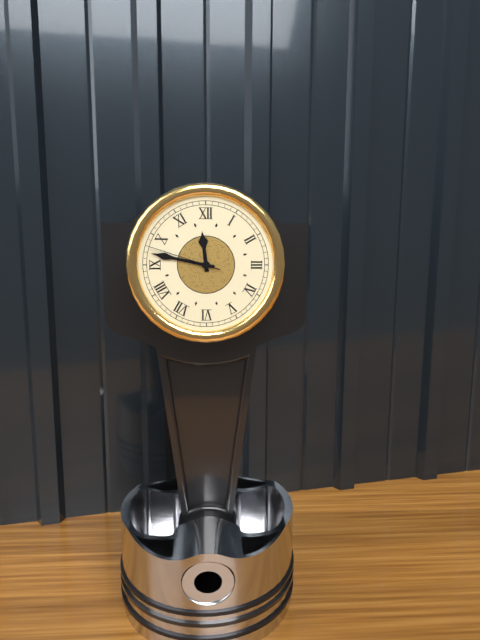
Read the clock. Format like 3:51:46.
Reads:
11:47:48
